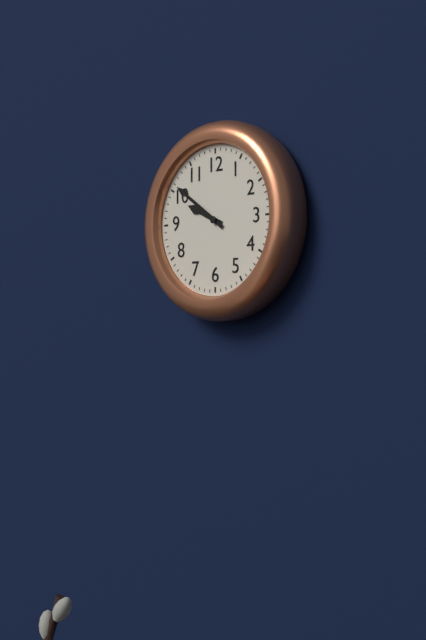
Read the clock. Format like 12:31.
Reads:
9:51
